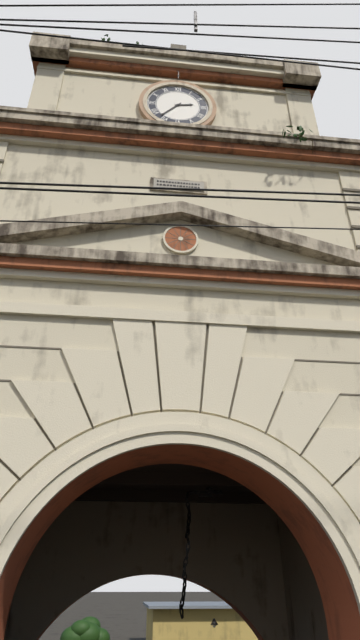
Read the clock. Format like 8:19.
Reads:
2:37
